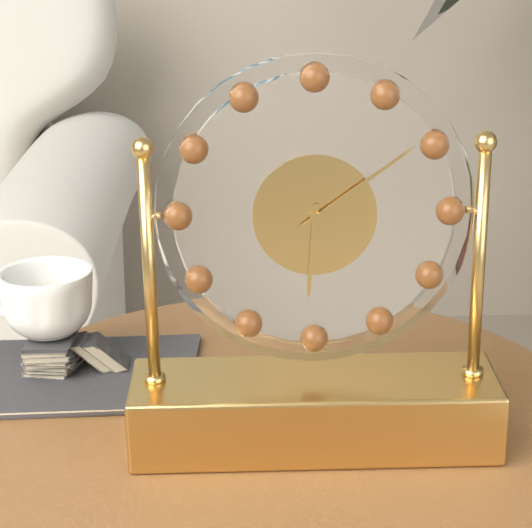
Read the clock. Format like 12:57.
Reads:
6:09
